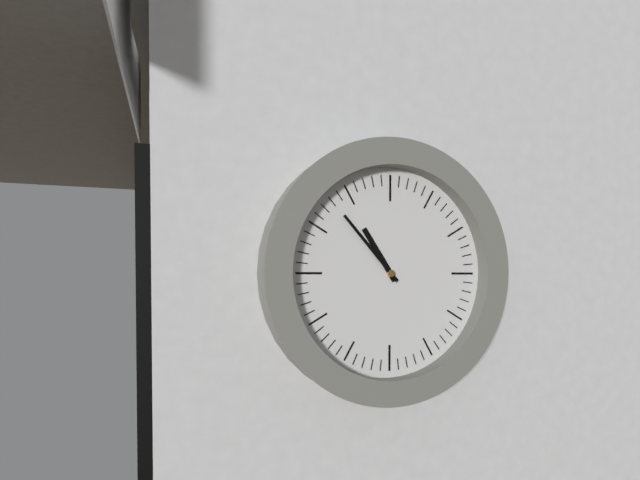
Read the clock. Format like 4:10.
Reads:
10:53
